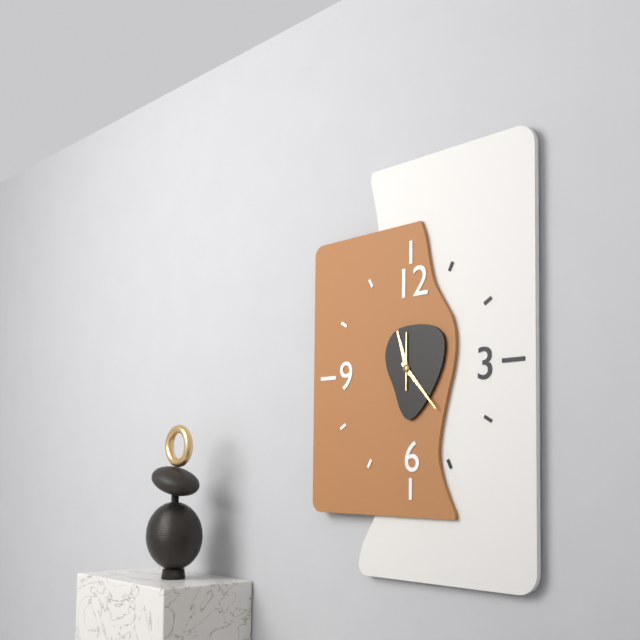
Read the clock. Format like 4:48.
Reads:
11:23
